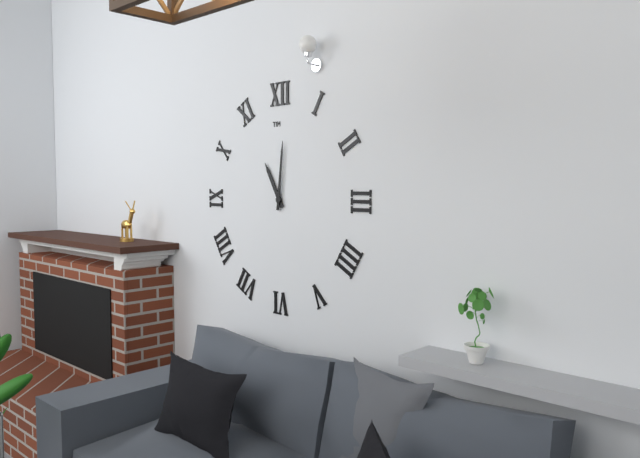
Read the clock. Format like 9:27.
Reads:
11:01
